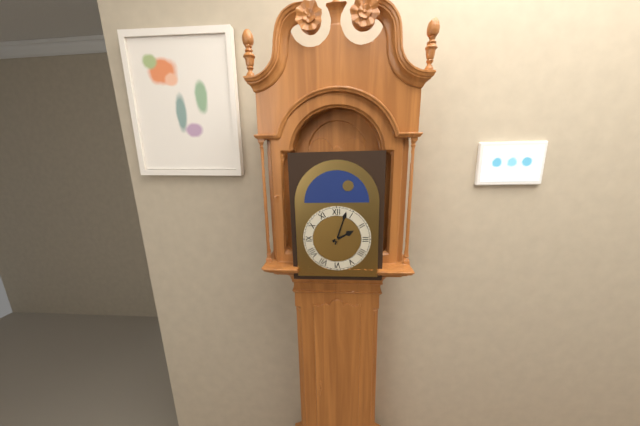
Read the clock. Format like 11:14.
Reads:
2:03
